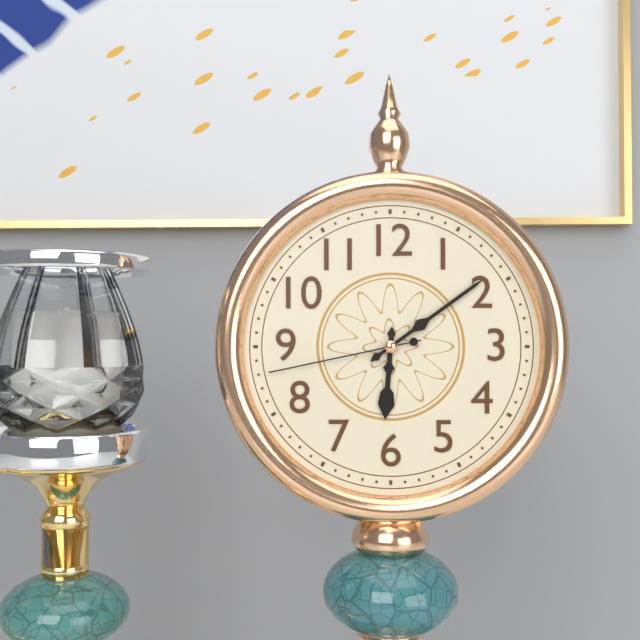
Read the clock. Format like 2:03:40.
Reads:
6:09:43
